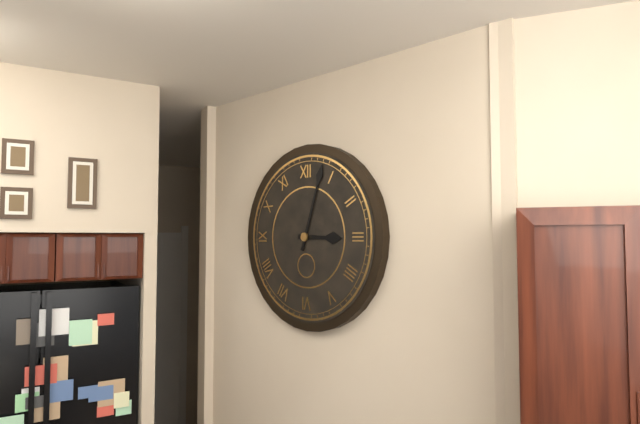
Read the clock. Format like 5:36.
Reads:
3:03
